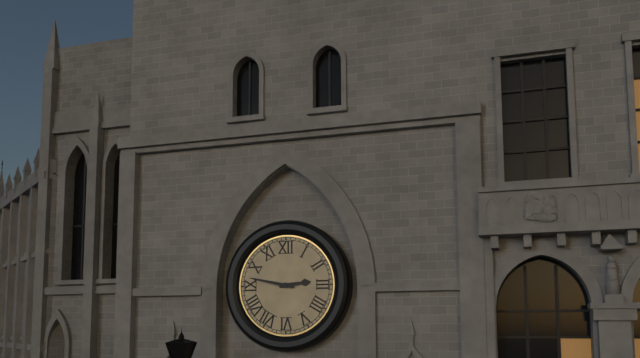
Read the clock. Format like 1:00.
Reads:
2:47
